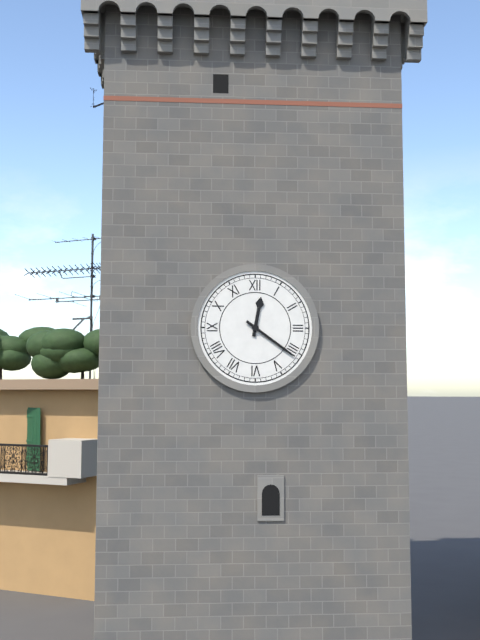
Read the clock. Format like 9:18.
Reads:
12:21
